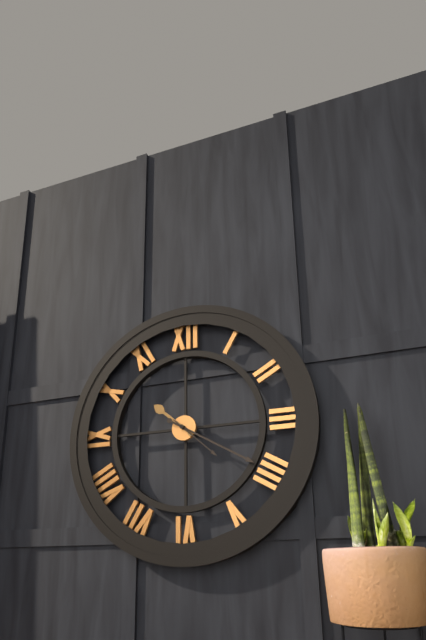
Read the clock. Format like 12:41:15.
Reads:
10:20:22
